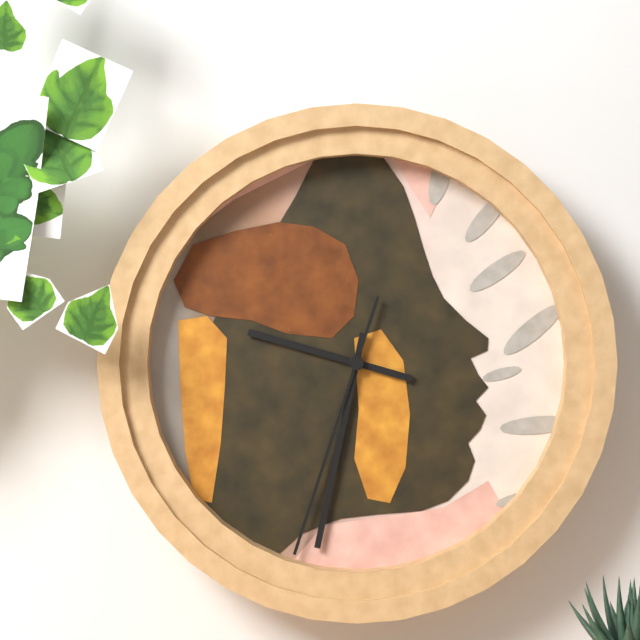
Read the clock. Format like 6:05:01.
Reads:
9:32:33
